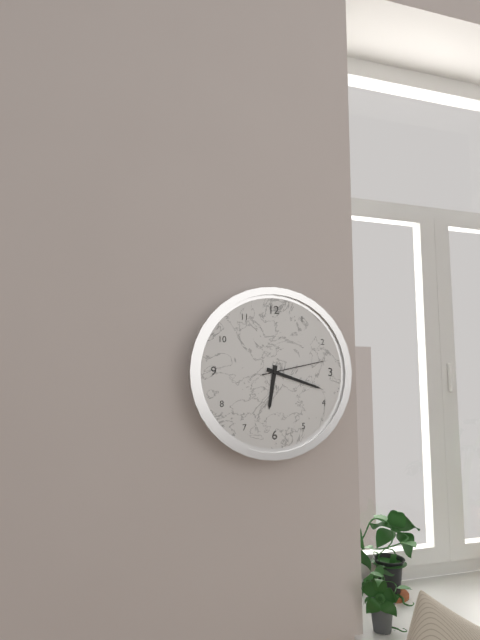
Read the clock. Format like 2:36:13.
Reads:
6:18:13
